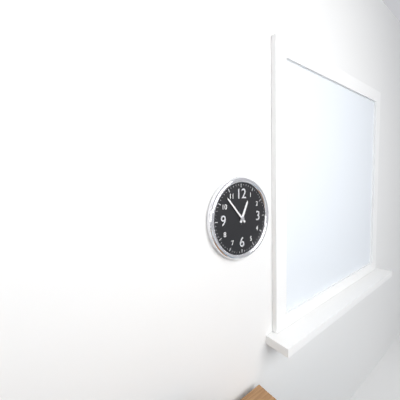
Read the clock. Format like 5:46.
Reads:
12:53
